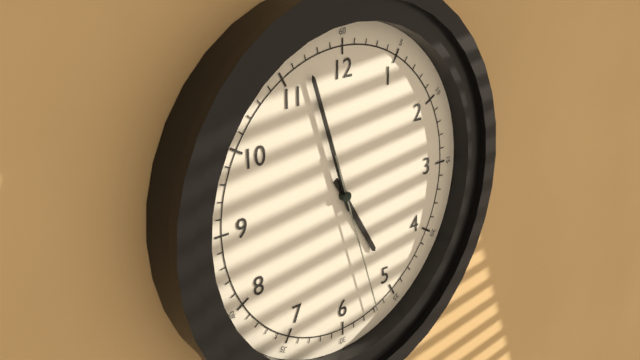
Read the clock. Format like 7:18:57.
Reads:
4:57:27
